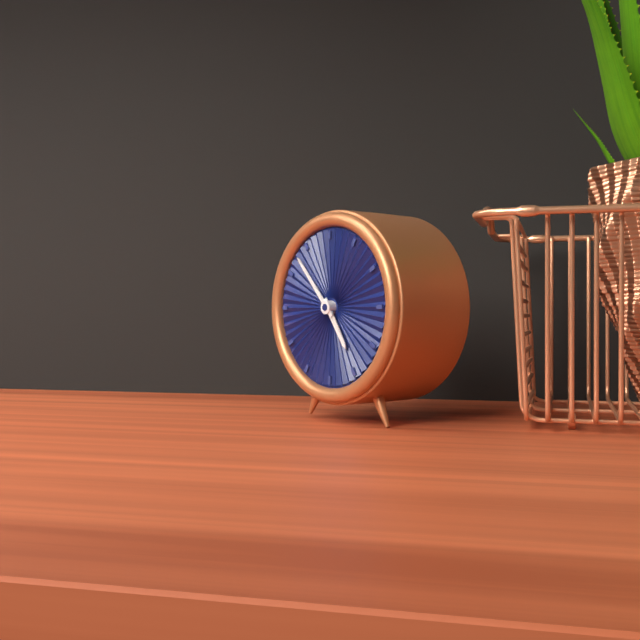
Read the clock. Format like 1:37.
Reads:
4:53
